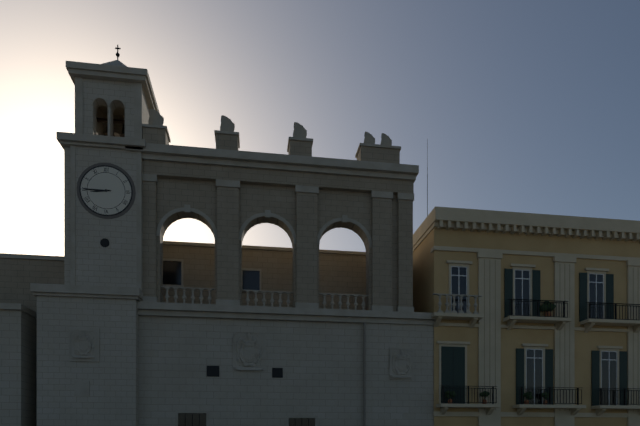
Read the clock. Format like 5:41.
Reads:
8:45
